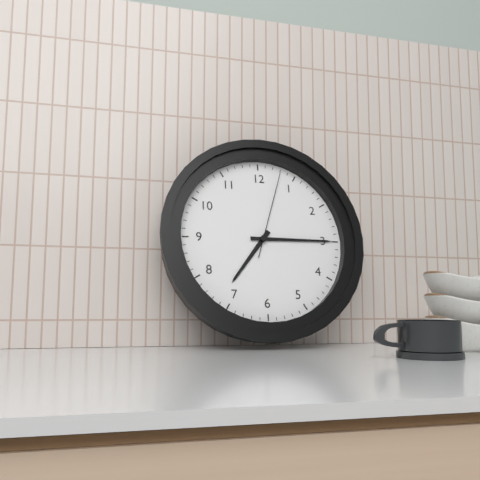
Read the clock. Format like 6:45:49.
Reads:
7:15:03
